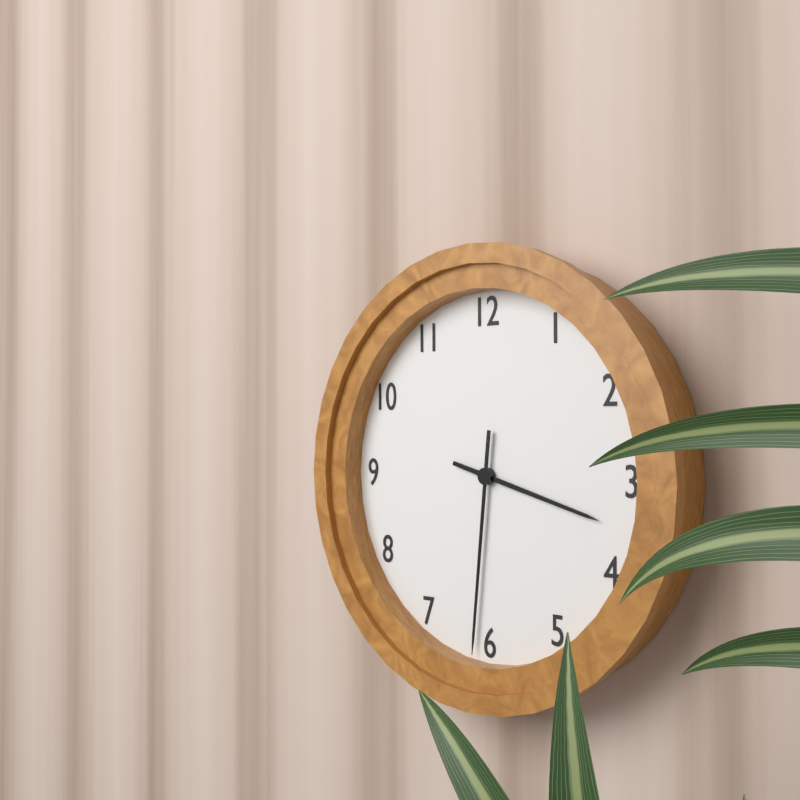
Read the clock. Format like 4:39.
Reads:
3:31
